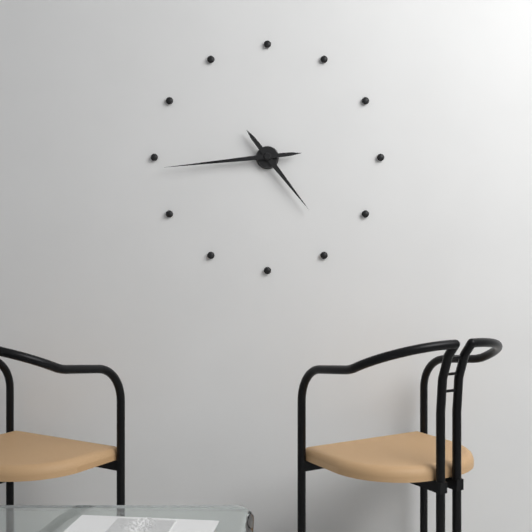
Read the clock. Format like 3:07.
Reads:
4:44
